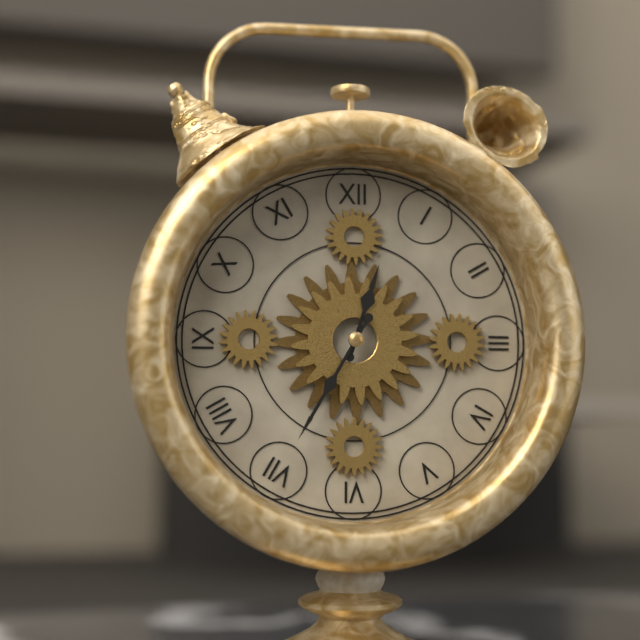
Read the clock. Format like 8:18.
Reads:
12:35
